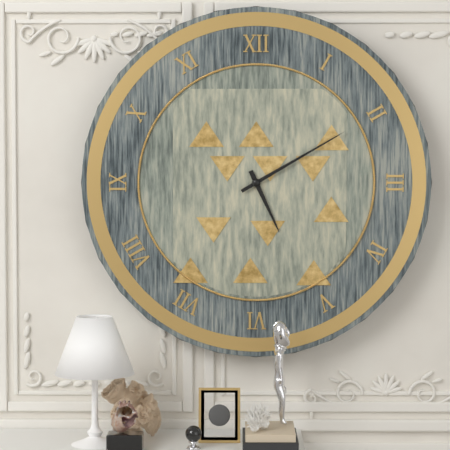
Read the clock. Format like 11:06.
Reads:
5:10
